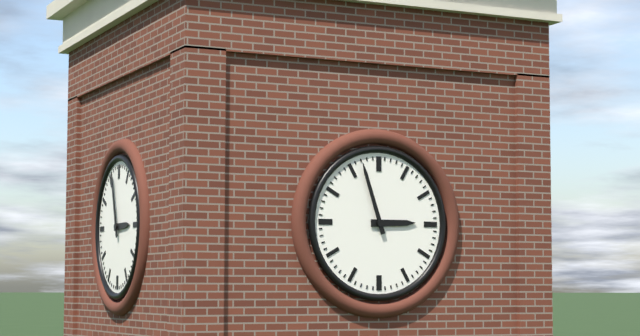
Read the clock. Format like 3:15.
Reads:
2:57
